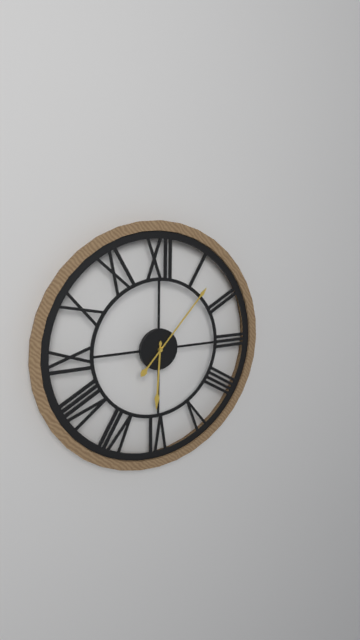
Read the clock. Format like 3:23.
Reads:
6:07
